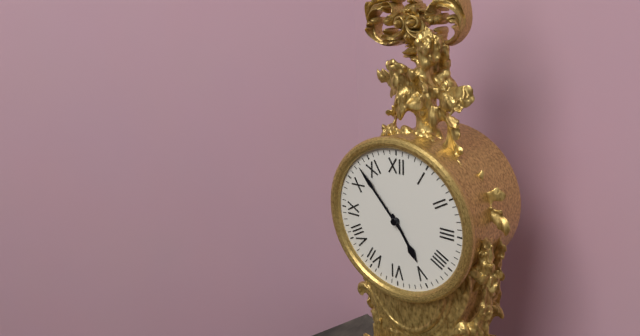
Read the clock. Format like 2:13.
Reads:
4:53
